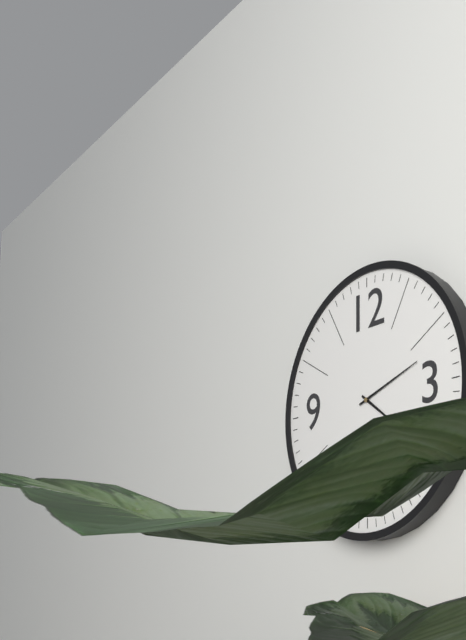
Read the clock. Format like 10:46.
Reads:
4:12
